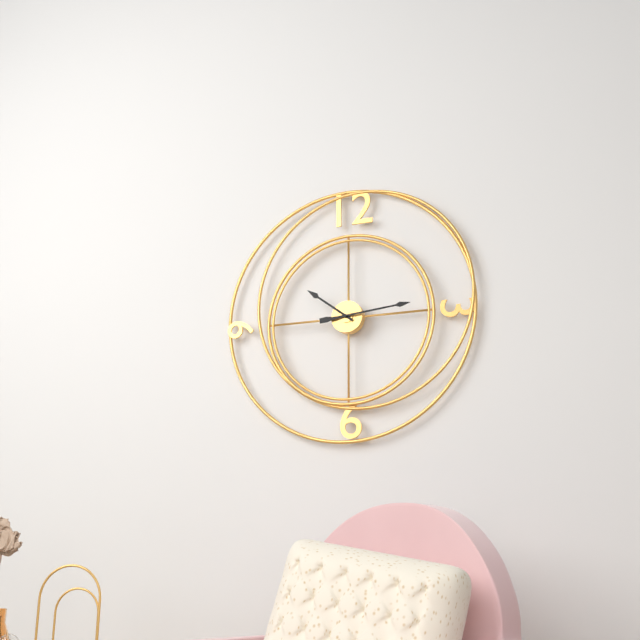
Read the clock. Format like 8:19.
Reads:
10:14
